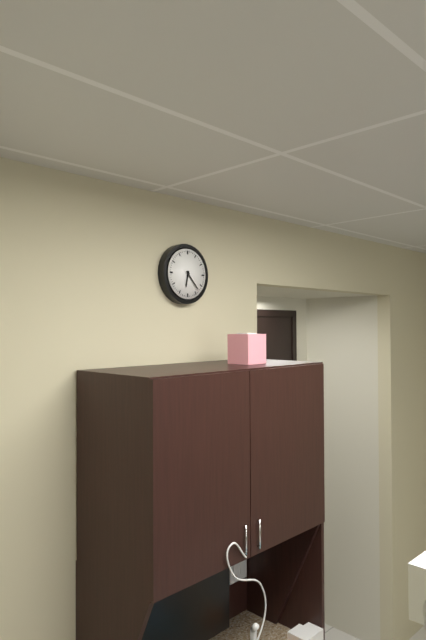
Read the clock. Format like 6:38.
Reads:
6:23
